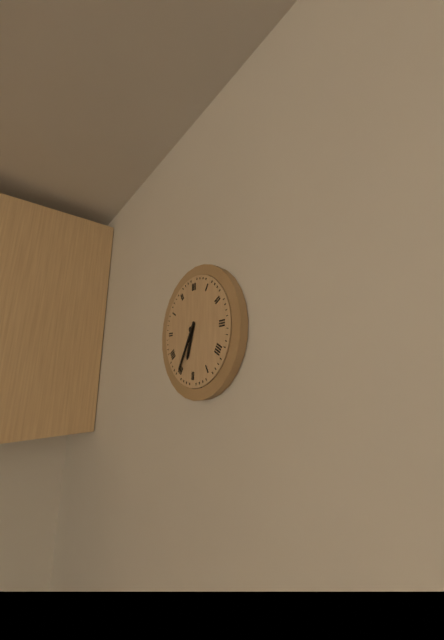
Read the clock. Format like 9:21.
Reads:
6:35
